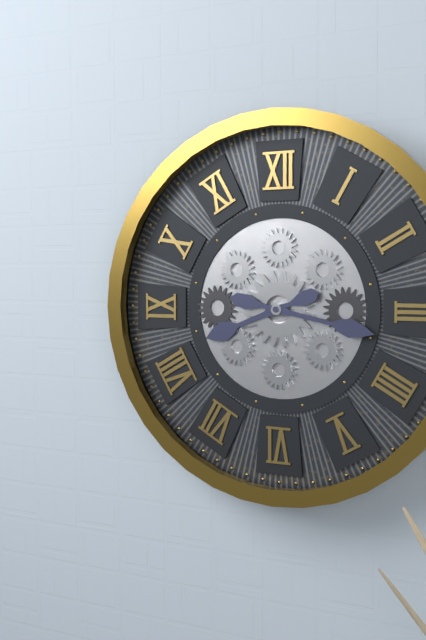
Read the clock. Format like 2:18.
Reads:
8:17
